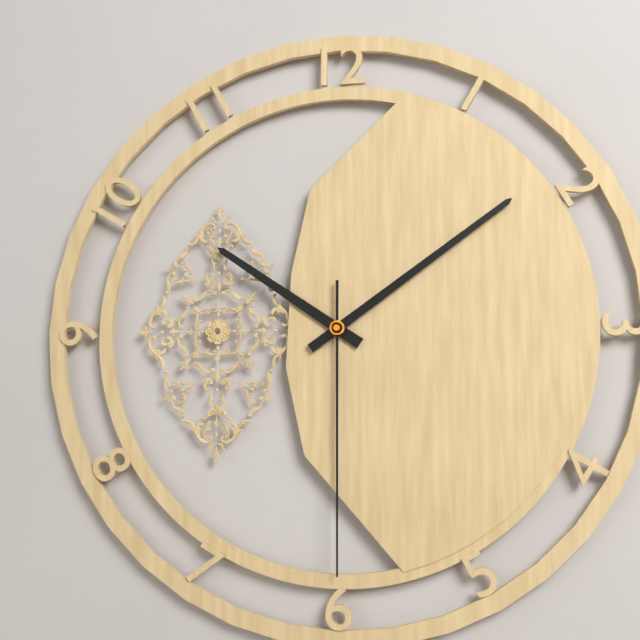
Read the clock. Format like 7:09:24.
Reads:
10:09:30
